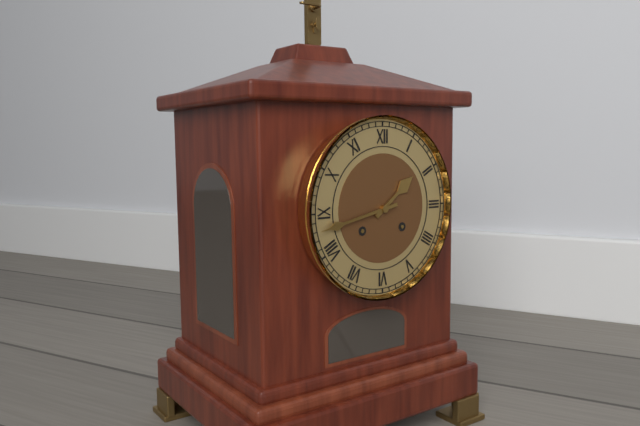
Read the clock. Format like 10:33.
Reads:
1:43
